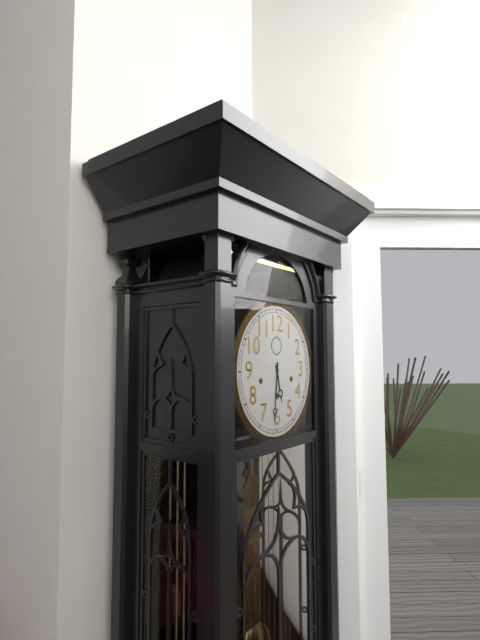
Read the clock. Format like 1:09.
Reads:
5:31
